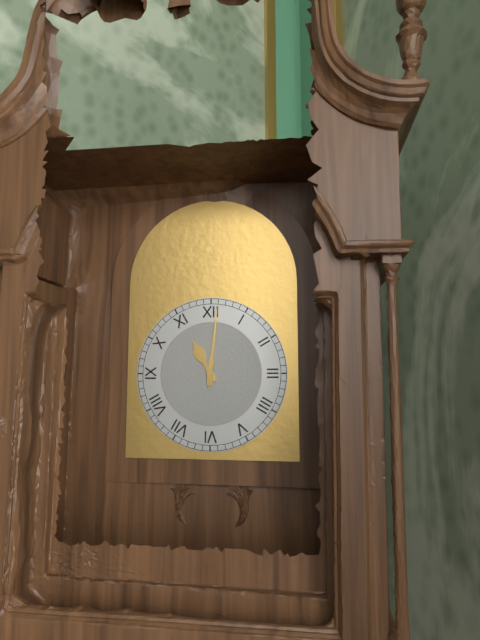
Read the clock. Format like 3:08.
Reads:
11:01
